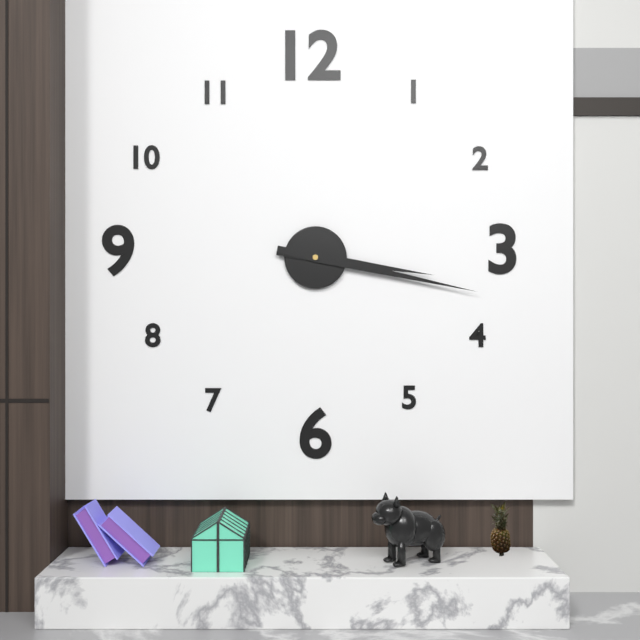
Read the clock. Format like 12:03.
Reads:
3:17
